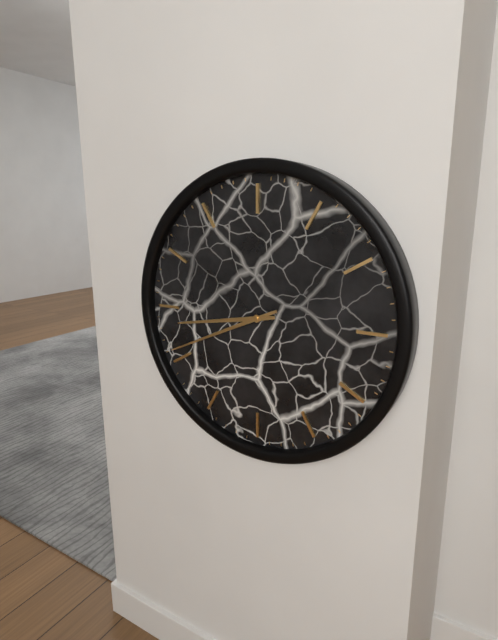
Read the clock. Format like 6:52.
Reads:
8:41
